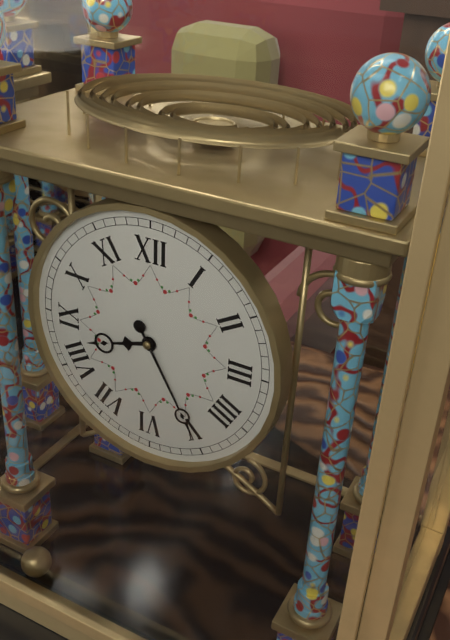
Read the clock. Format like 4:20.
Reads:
8:25
